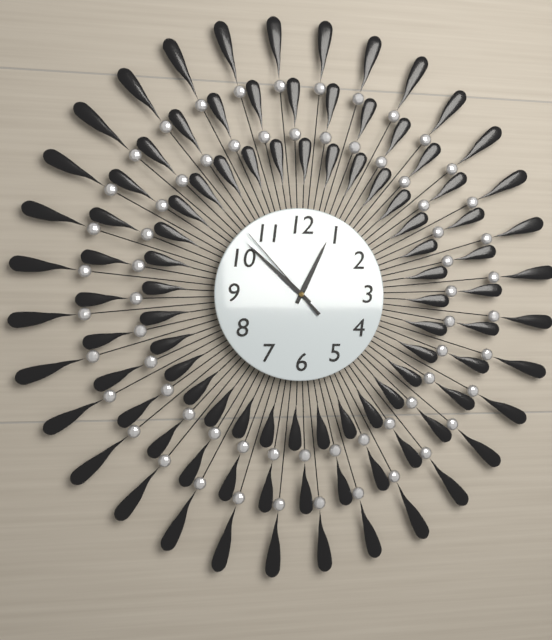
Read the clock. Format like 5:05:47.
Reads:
12:52:53
